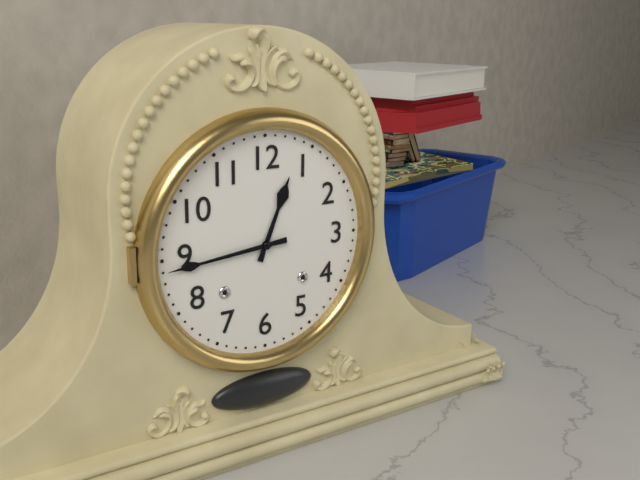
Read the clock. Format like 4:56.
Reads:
12:44
